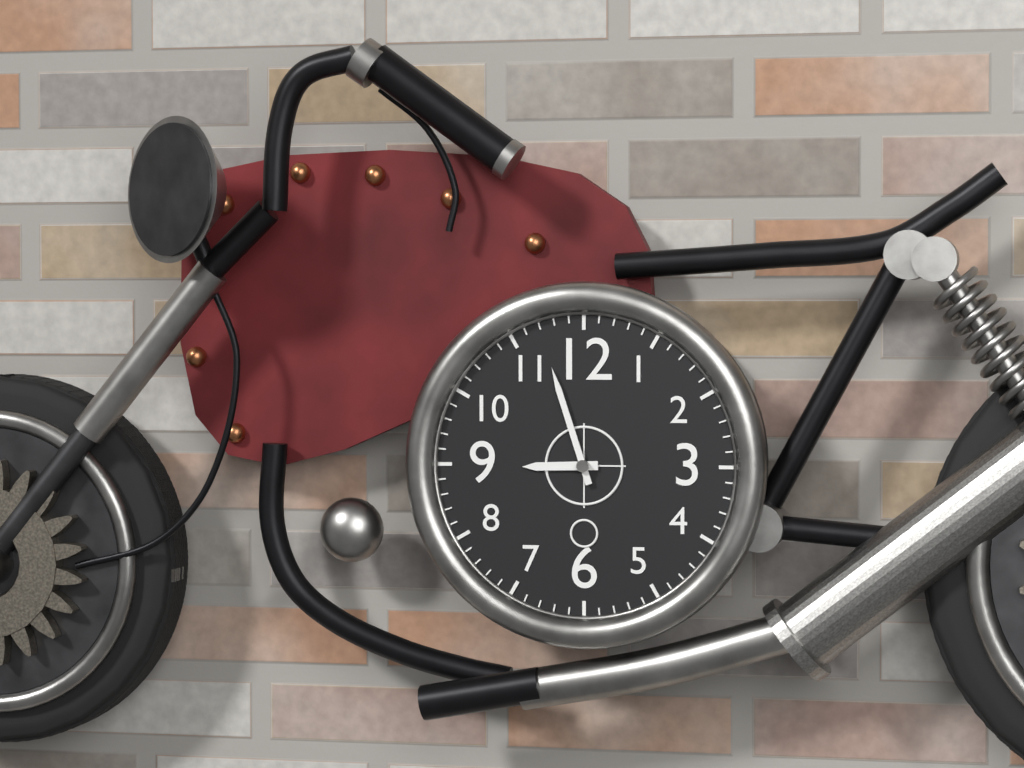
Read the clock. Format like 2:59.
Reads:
8:57
